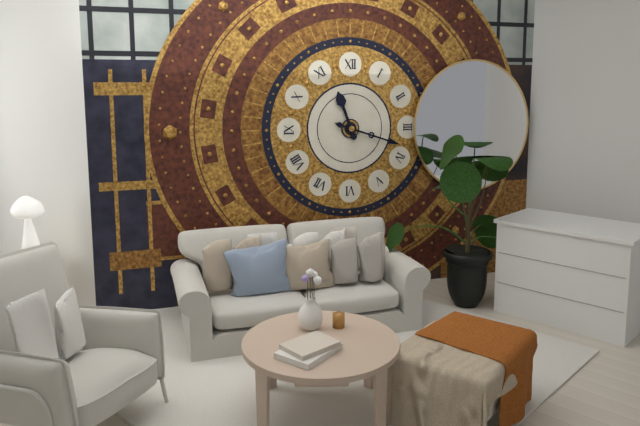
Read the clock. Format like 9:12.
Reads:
11:18
